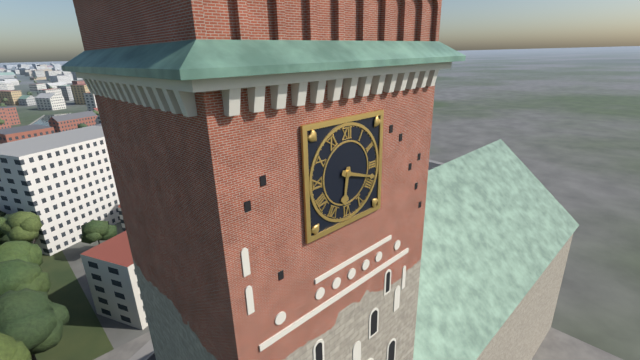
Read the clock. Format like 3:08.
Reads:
6:18
